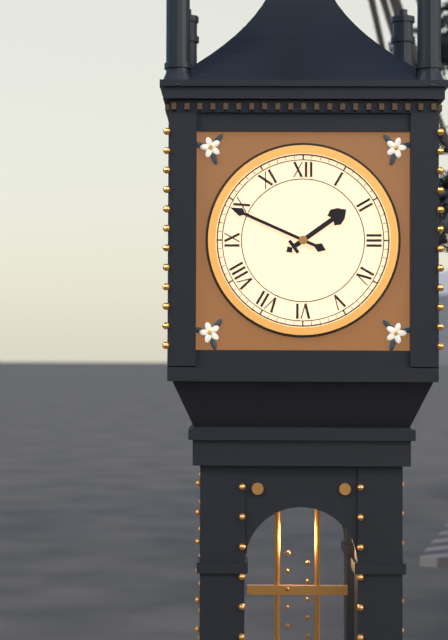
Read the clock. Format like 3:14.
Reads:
1:49
